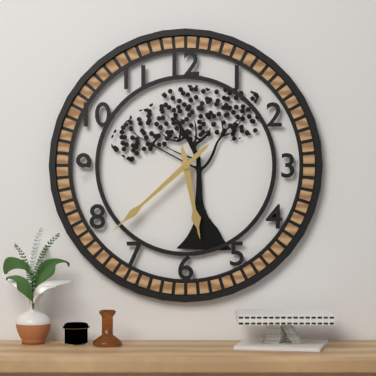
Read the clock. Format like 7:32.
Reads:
5:38
